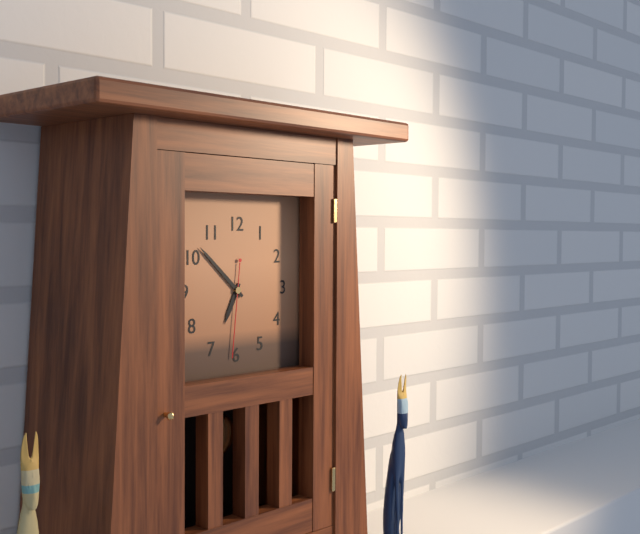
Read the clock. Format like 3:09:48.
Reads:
6:52:31
